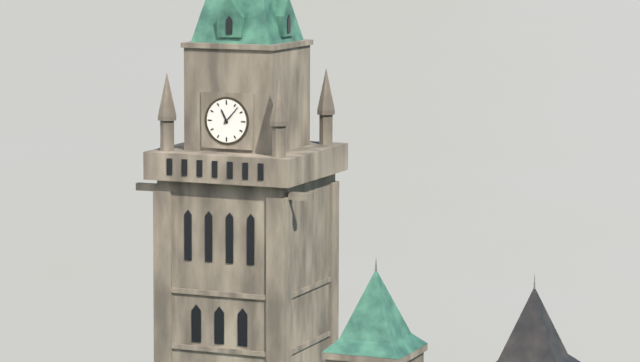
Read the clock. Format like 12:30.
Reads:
11:07
